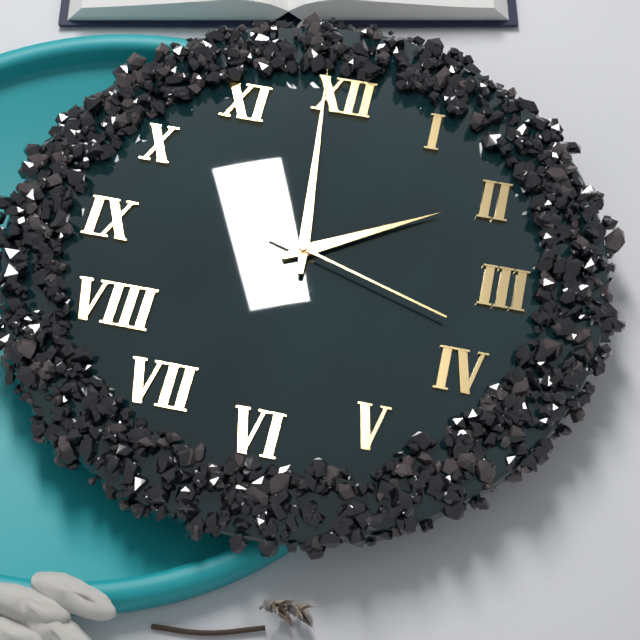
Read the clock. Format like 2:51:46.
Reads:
1:59:18
